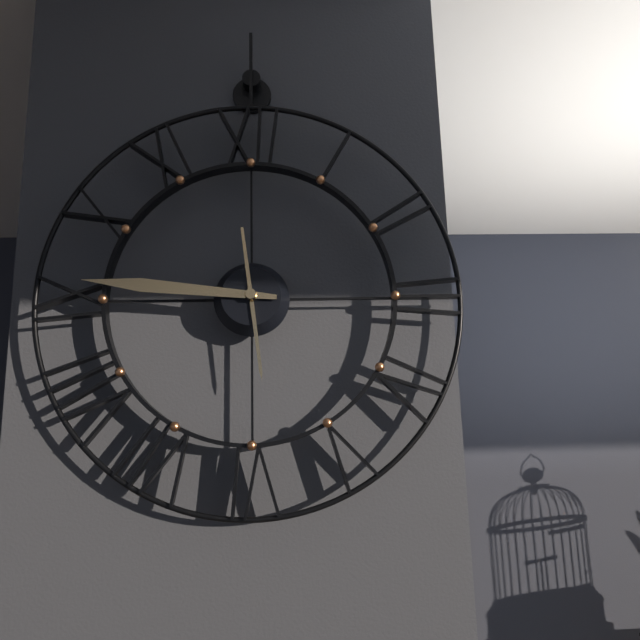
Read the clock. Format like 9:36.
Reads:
5:46
